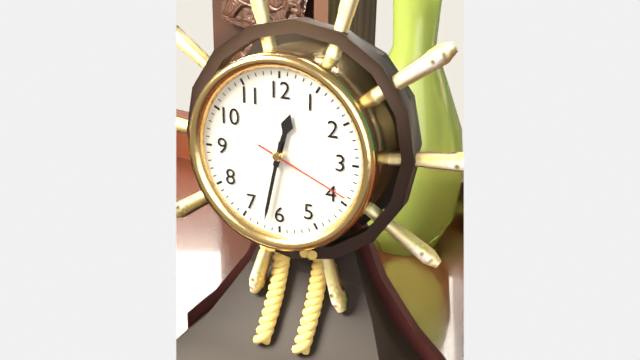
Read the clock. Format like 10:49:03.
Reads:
12:32:19
